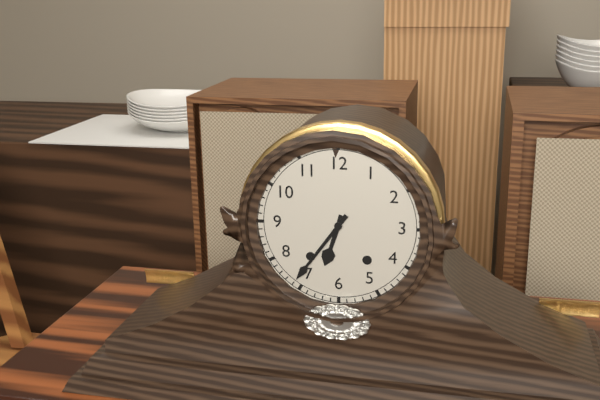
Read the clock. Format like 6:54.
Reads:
6:36
